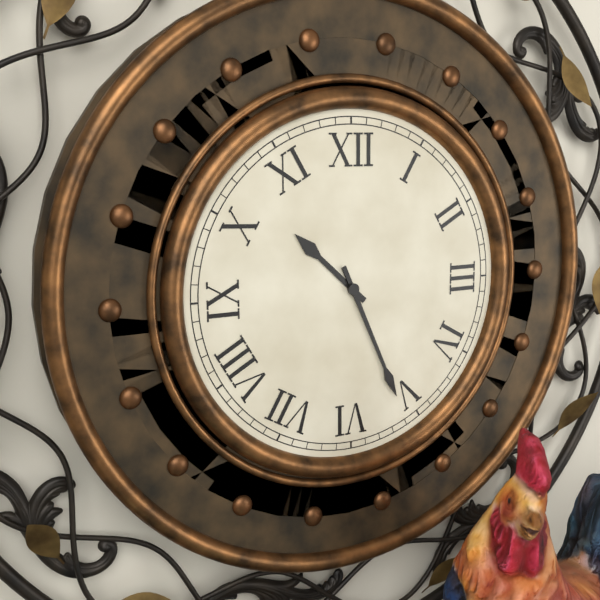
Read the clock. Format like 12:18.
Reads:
10:26
